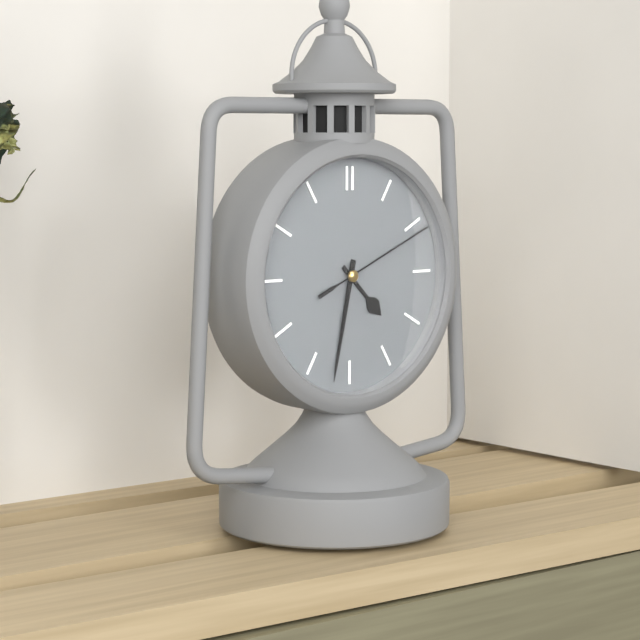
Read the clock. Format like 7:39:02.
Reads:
4:32:11
